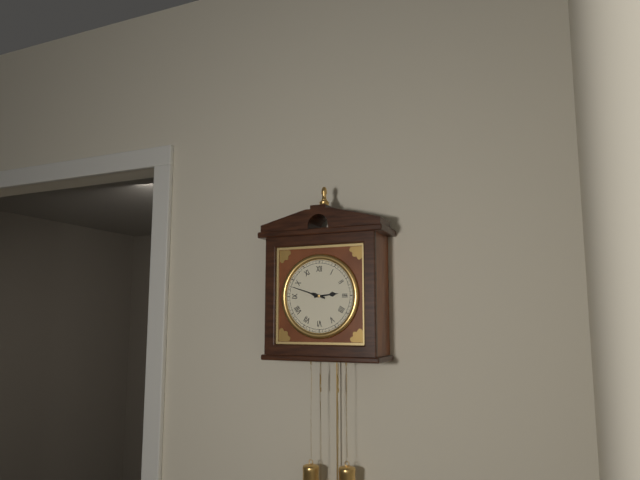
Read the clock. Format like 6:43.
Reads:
2:48
